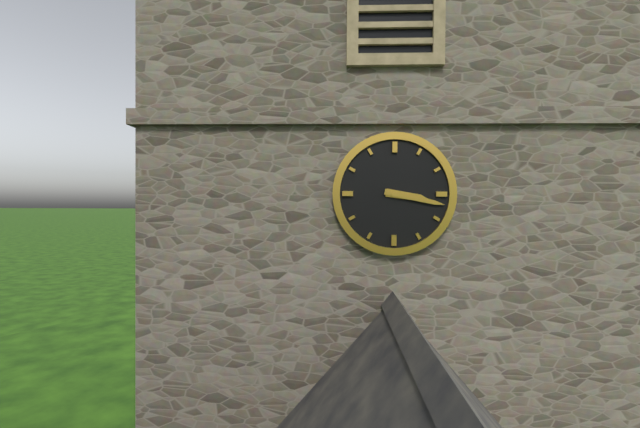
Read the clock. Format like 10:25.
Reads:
3:17
